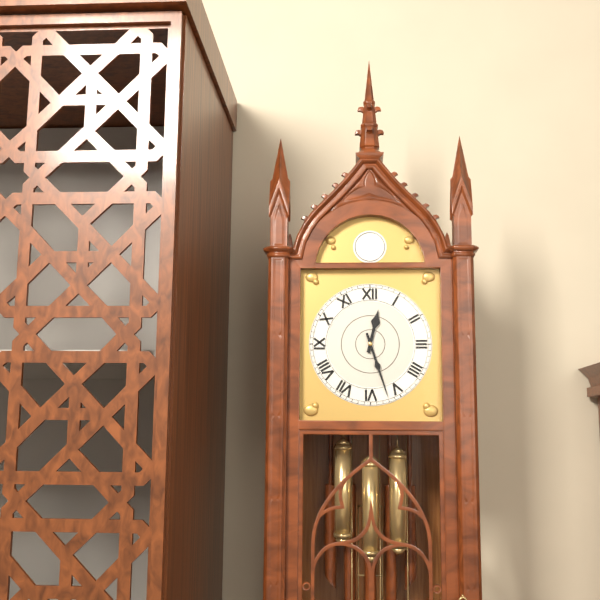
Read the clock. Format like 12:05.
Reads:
12:27
